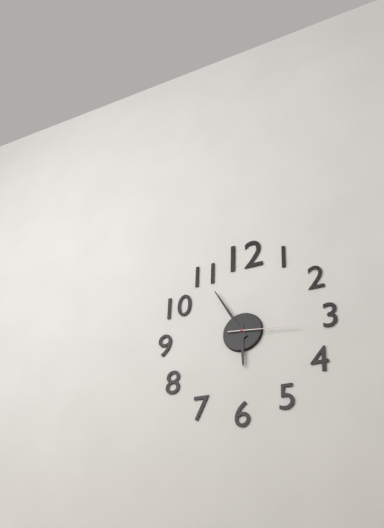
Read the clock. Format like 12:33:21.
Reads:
5:55:16
